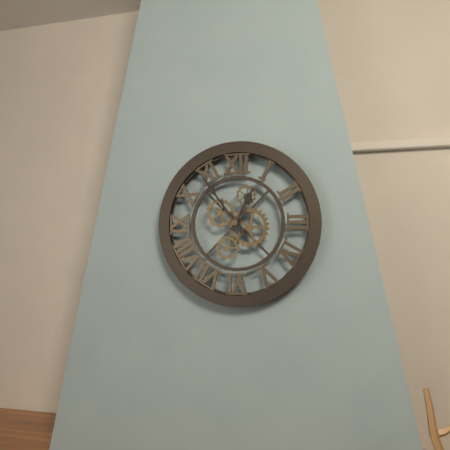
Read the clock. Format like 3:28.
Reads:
12:54
